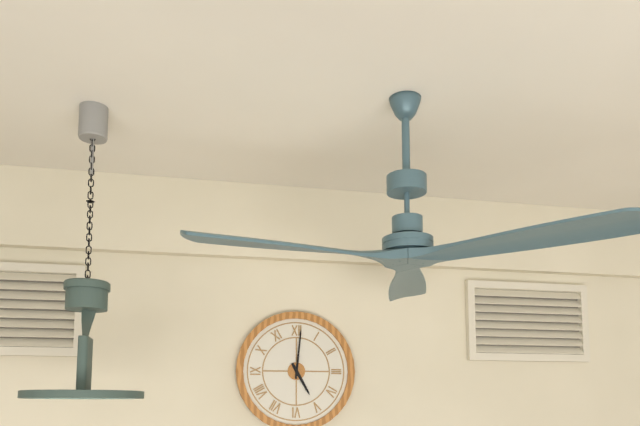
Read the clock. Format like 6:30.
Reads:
5:01
